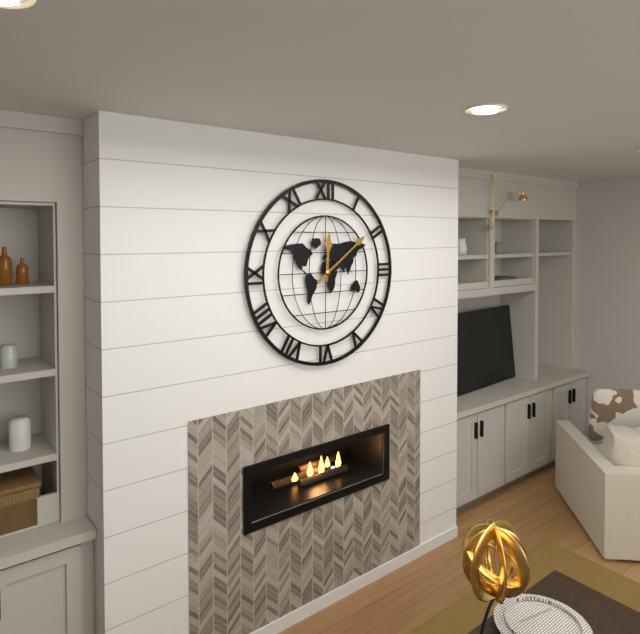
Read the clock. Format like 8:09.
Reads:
12:09
